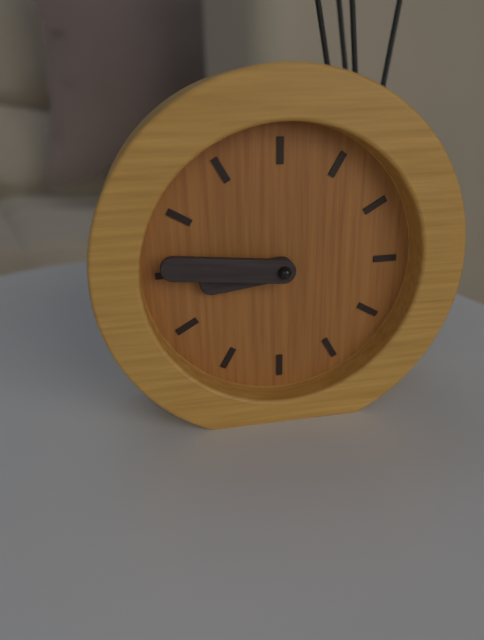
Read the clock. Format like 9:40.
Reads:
8:46
